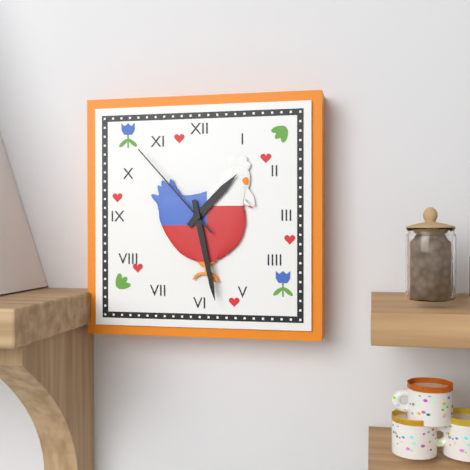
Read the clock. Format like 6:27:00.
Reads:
1:28:53
